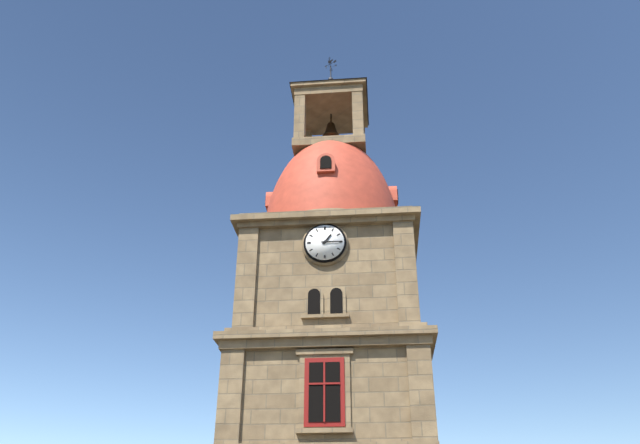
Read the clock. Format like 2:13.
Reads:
1:15
